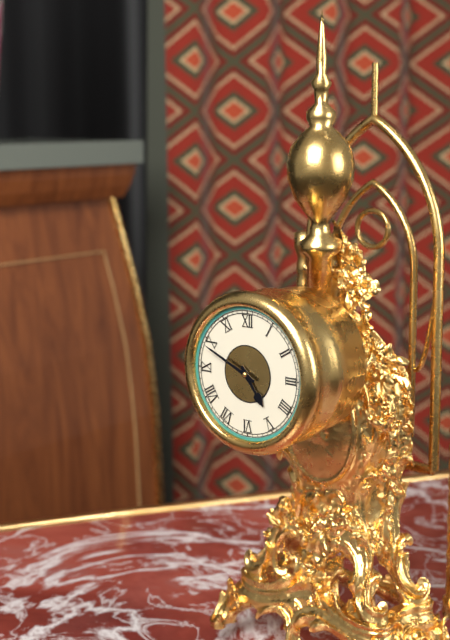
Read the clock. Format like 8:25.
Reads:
4:49
